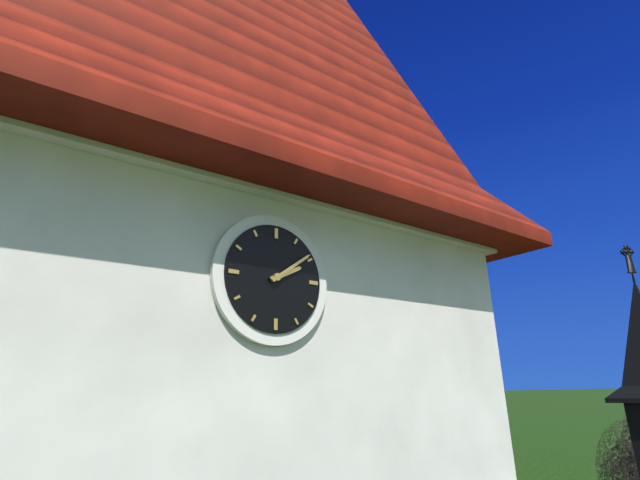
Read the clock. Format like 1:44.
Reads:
2:09
